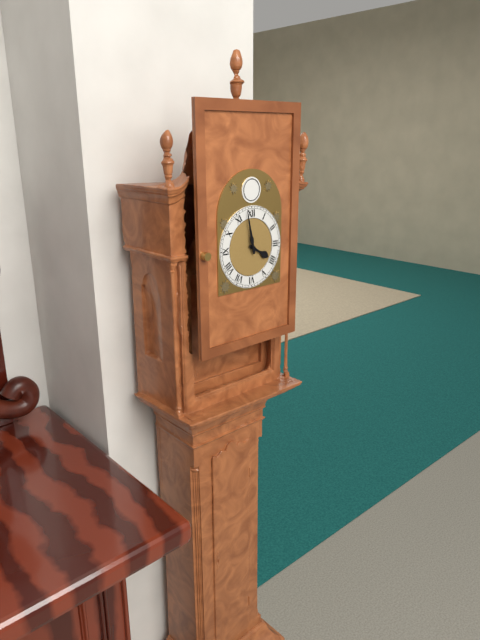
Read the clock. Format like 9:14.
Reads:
3:58
